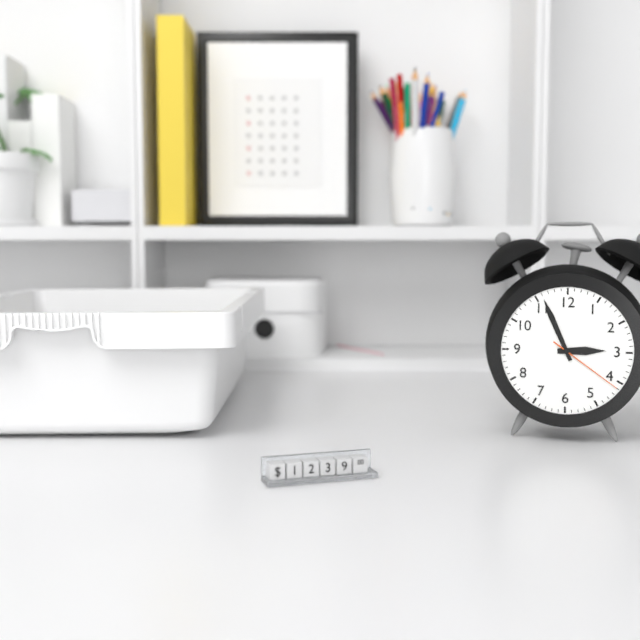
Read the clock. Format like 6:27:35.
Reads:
2:56:21
